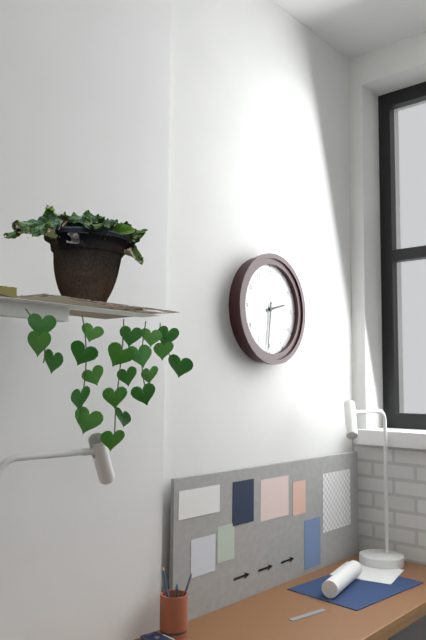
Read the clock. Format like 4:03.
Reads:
2:31
